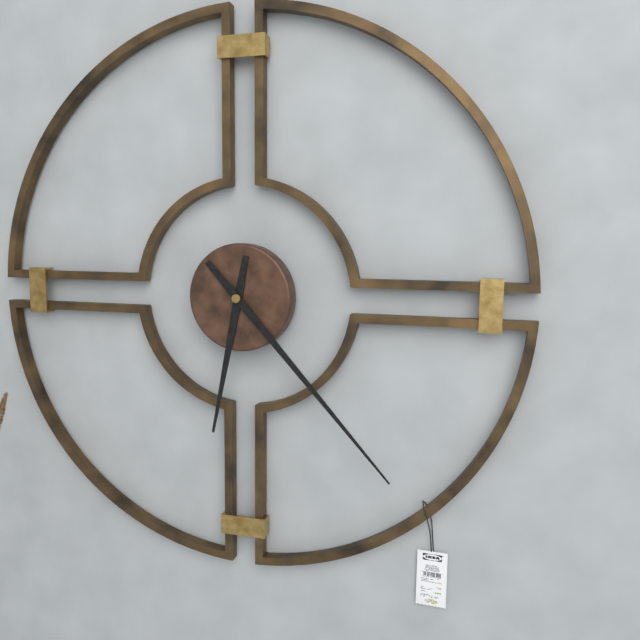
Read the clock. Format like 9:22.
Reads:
6:23
